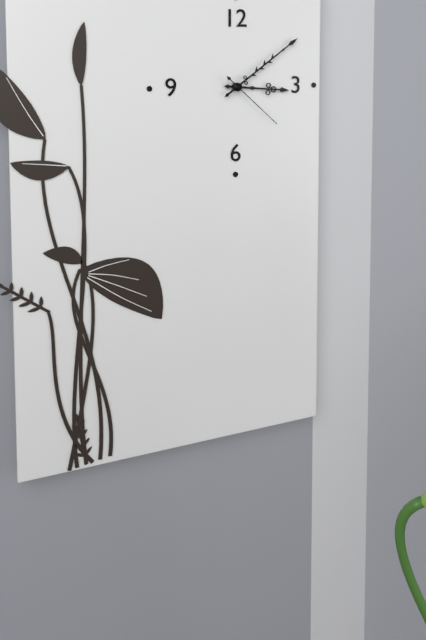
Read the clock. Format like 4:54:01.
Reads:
3:09:22
